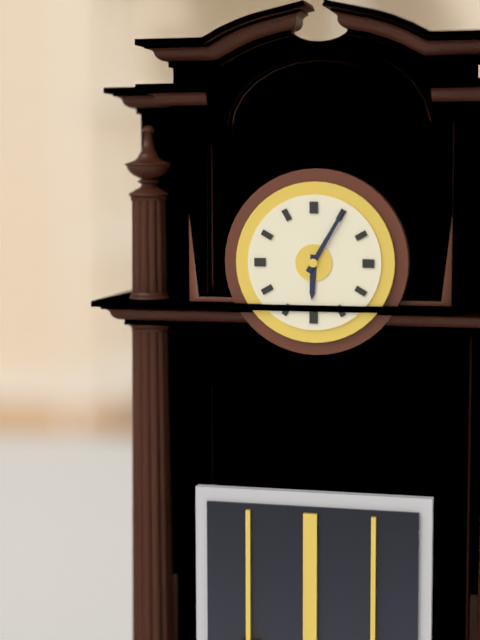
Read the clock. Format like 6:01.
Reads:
6:05
